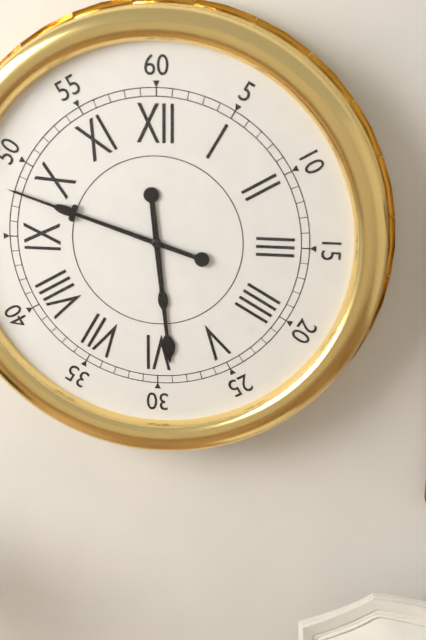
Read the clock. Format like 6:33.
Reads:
5:48
